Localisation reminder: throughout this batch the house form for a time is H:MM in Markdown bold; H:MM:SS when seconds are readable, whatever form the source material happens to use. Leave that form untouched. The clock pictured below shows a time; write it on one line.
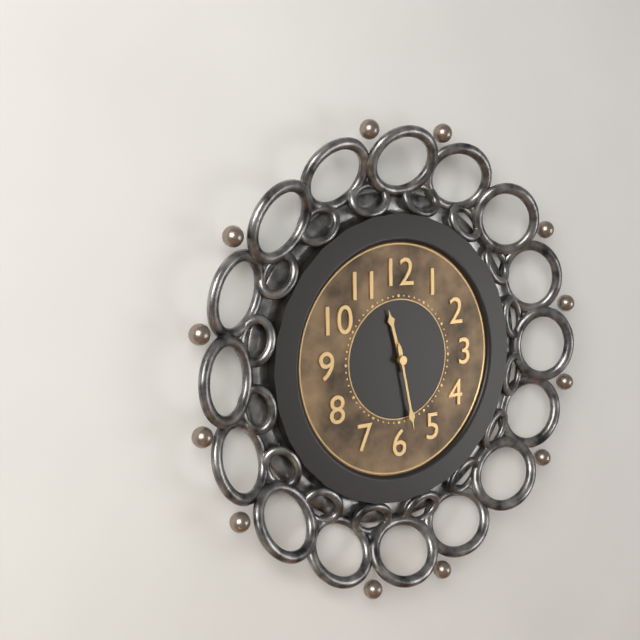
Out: **11:28**
